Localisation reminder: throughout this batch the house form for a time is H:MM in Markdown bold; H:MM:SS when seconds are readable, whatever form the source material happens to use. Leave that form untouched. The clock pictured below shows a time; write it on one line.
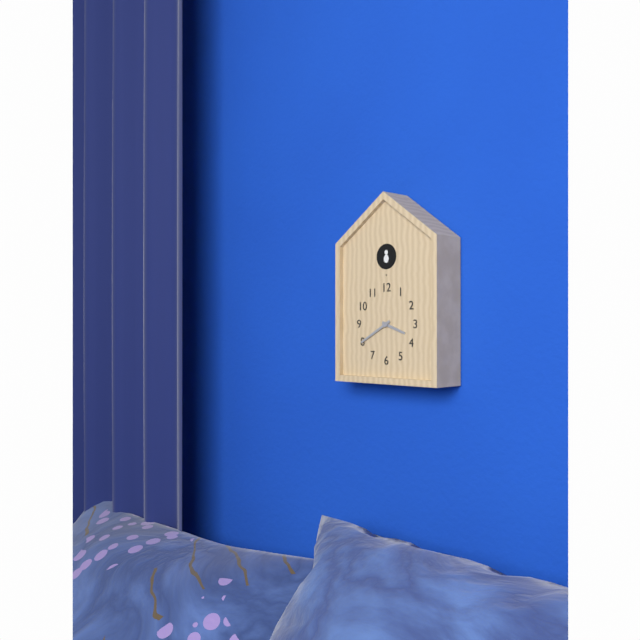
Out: **3:40**
